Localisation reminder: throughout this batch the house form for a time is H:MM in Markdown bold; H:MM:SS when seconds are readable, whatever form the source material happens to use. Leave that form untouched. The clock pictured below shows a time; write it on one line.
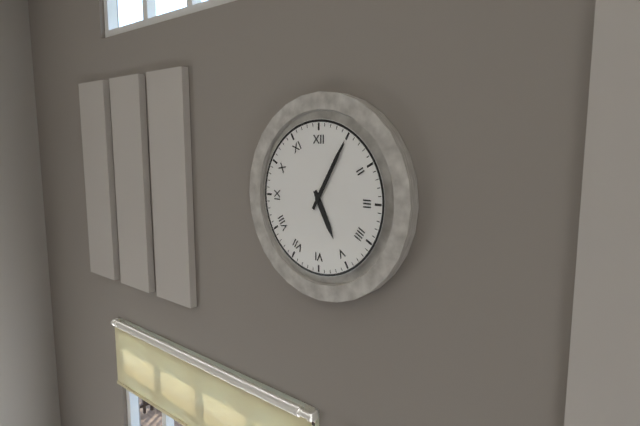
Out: **5:05**
